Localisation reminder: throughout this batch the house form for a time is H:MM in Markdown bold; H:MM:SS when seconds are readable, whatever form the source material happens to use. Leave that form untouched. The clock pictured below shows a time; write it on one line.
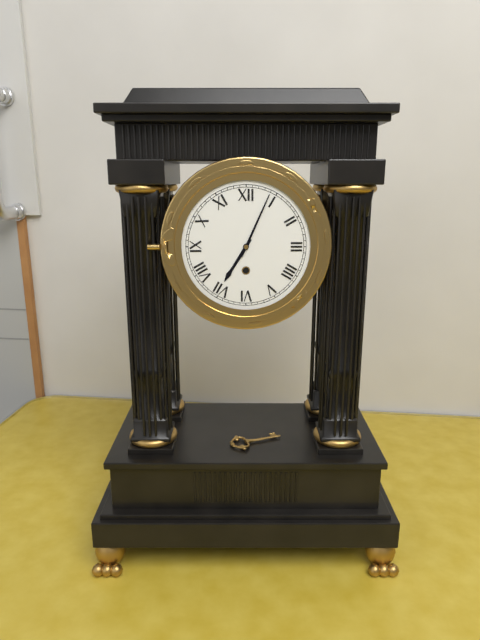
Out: **7:04**
